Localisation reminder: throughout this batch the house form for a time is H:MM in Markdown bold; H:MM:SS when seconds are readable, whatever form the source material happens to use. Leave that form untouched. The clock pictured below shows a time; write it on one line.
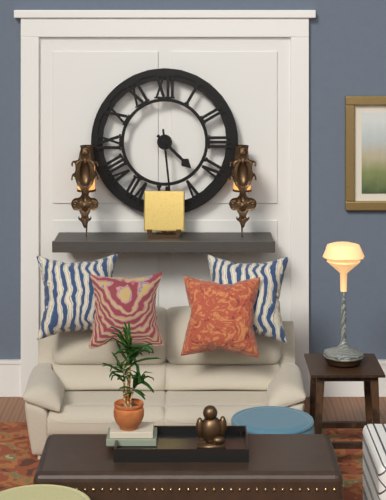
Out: **4:29**
